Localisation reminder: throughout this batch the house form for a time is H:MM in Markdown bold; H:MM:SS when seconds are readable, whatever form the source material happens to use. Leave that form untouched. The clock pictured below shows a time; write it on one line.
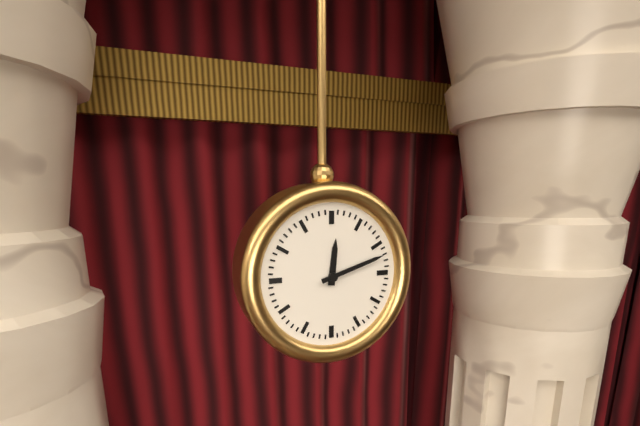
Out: **12:12**
